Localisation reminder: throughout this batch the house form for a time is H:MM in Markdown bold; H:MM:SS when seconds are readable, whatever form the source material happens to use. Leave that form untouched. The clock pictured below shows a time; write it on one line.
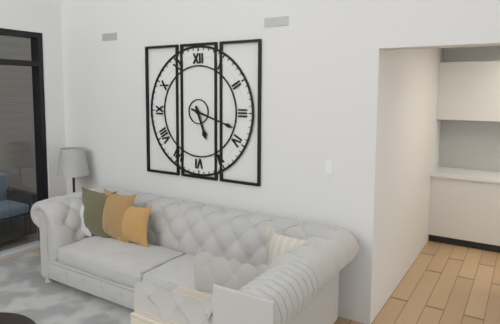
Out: **5:18**
